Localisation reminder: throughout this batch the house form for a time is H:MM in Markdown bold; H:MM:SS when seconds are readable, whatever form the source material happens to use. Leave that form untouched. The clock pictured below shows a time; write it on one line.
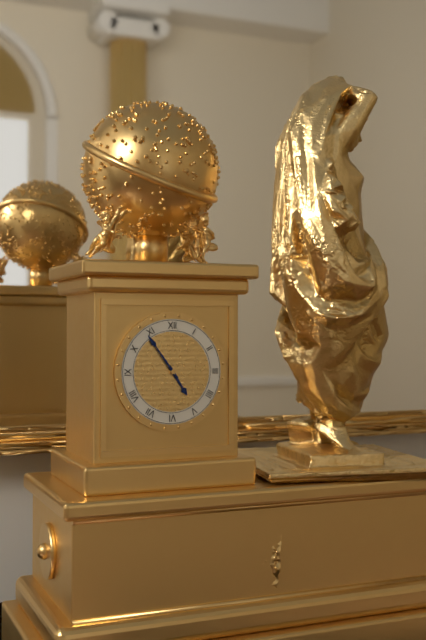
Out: **4:54**
